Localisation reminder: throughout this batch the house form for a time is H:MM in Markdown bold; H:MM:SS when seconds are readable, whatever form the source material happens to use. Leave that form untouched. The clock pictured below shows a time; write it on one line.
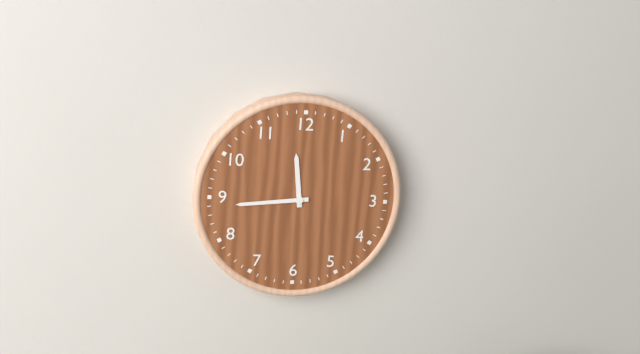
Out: **11:44**
